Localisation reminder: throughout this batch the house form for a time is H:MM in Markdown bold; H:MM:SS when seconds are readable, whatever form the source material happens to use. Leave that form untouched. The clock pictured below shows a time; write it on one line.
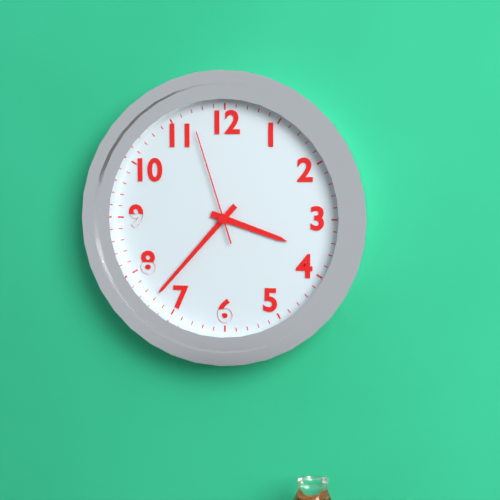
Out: **3:37:57**
